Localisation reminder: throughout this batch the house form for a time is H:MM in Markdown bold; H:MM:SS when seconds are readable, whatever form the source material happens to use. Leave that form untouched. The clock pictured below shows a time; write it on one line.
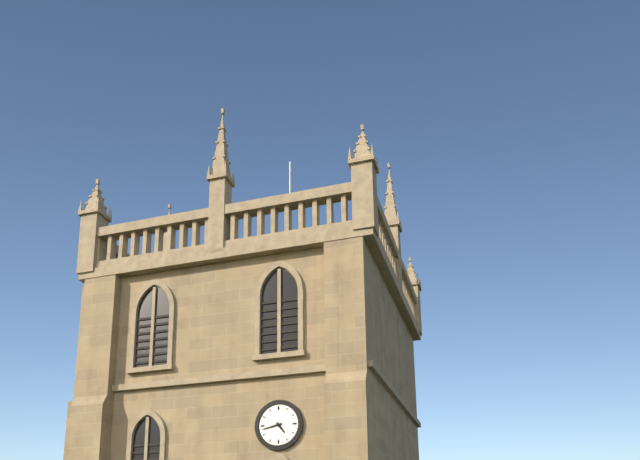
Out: **4:43**
